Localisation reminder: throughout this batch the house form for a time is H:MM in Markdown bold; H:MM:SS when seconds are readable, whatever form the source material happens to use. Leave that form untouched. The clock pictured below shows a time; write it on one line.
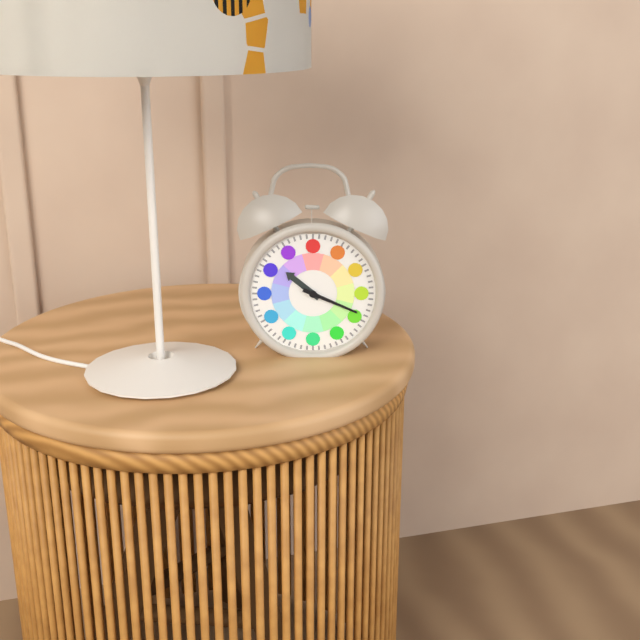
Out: **10:19**
